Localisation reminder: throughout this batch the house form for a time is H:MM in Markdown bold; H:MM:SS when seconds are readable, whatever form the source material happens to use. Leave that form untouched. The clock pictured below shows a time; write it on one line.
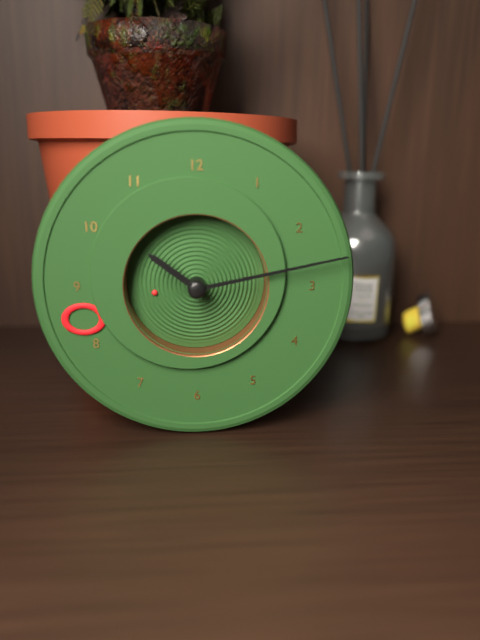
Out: **10:13:43**
